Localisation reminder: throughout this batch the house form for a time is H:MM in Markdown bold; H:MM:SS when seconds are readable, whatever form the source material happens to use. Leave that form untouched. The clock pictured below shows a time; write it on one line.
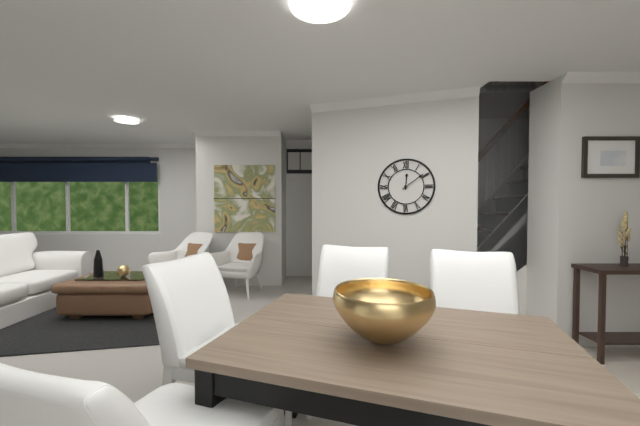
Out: **12:09**
